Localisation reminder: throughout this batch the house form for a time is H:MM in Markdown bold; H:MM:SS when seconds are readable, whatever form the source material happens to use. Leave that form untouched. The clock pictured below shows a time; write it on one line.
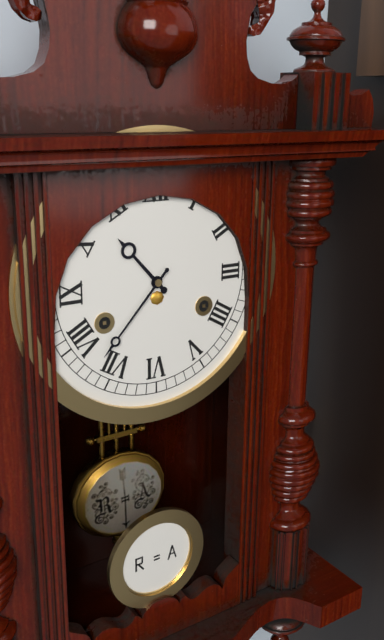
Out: **10:37**
